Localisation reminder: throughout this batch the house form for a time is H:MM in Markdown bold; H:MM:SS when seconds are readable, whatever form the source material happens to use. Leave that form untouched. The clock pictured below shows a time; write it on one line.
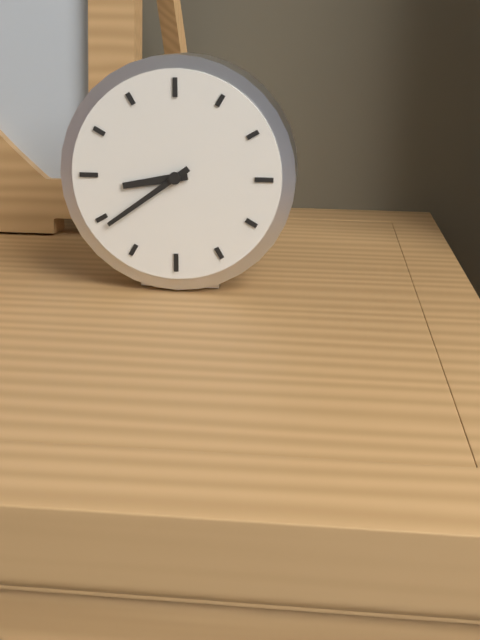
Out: **8:39**
